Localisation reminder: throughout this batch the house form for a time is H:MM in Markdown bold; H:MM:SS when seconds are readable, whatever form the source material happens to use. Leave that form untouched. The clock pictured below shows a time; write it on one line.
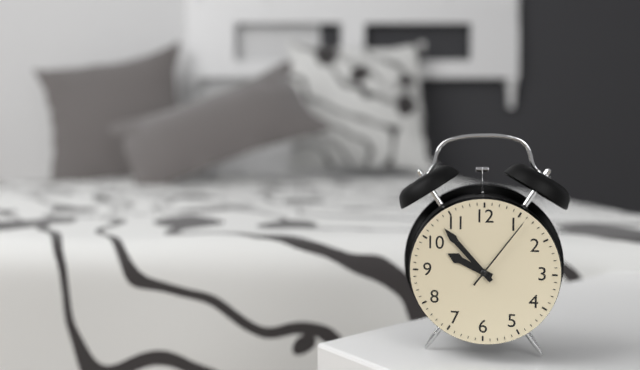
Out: **9:53:06**
